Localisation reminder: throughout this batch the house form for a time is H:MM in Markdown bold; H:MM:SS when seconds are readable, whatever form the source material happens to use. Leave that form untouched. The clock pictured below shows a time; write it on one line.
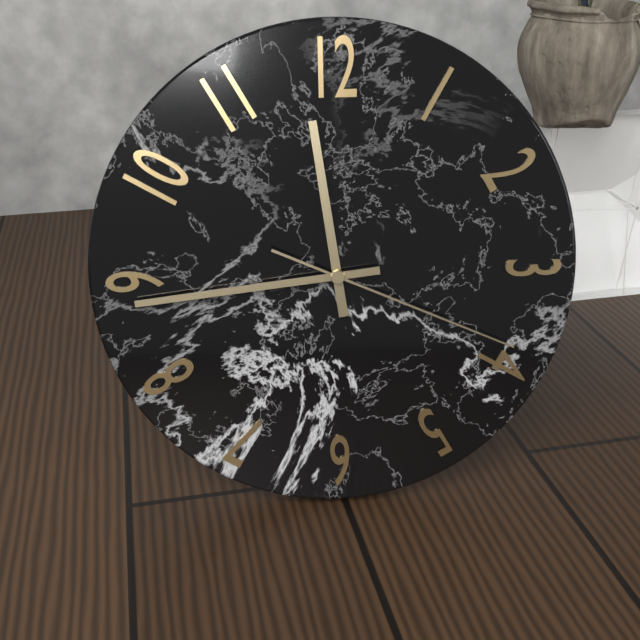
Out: **11:44:19**
